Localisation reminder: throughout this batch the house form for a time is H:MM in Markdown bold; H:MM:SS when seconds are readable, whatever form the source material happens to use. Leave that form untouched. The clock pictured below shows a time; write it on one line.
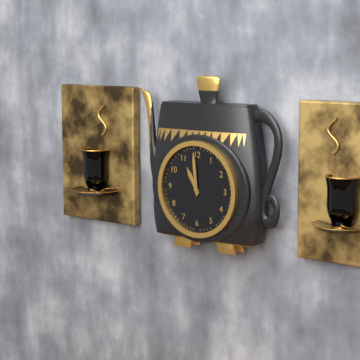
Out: **10:59**
